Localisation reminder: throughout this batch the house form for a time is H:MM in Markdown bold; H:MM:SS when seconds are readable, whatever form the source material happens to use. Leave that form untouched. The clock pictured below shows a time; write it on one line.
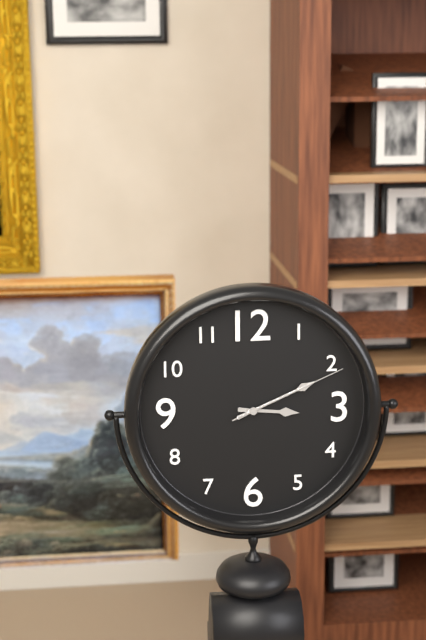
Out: **3:11:11**
